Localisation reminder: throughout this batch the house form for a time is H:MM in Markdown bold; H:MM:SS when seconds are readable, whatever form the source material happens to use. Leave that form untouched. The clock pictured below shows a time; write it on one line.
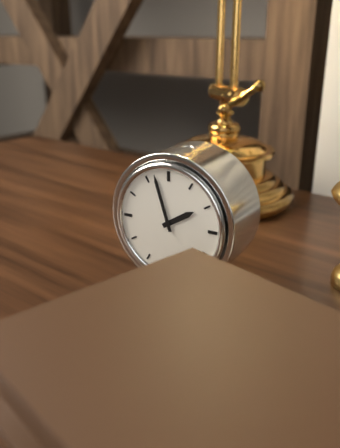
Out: **1:57**
